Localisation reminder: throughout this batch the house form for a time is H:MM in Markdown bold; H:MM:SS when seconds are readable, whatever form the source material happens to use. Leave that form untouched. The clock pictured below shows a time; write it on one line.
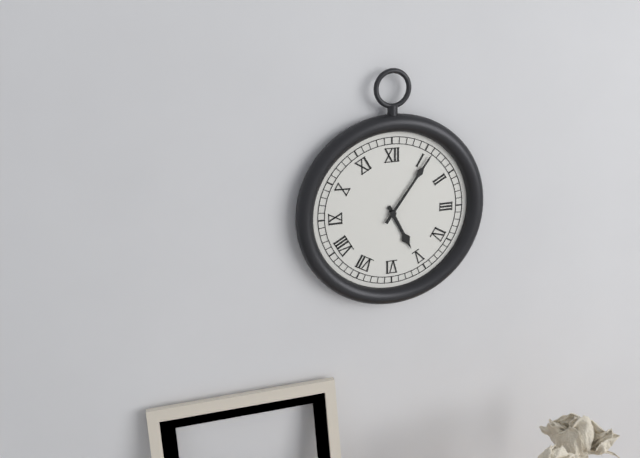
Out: **5:06**
